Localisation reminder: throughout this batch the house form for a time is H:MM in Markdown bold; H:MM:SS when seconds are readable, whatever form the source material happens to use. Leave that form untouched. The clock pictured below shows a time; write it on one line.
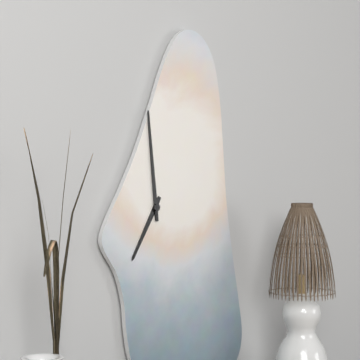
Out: **6:59**
